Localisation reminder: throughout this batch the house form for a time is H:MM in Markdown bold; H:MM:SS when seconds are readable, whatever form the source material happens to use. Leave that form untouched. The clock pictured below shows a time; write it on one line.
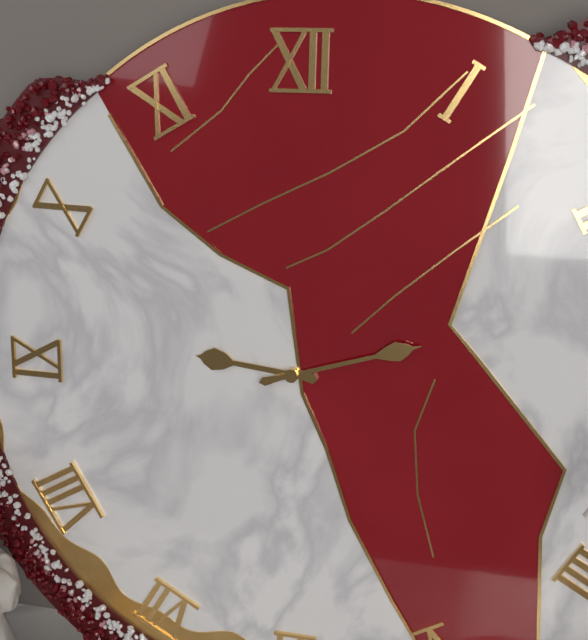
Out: **9:12**
